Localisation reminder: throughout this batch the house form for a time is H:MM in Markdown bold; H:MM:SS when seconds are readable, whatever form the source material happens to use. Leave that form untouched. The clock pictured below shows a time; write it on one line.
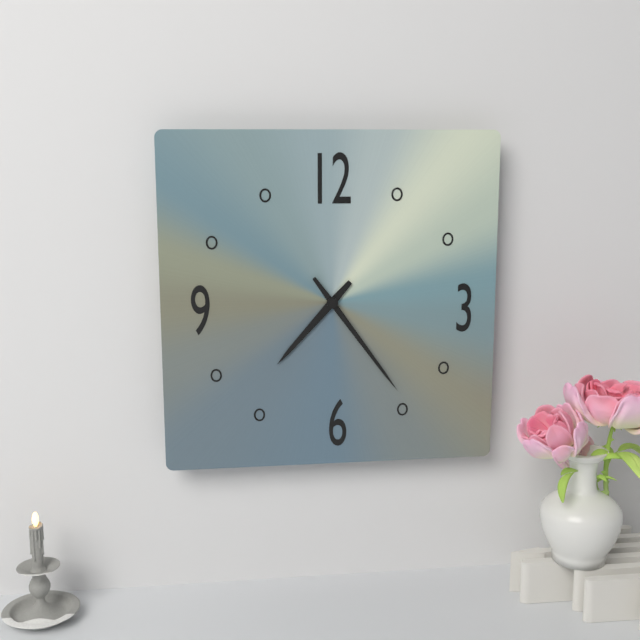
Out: **7:24**
